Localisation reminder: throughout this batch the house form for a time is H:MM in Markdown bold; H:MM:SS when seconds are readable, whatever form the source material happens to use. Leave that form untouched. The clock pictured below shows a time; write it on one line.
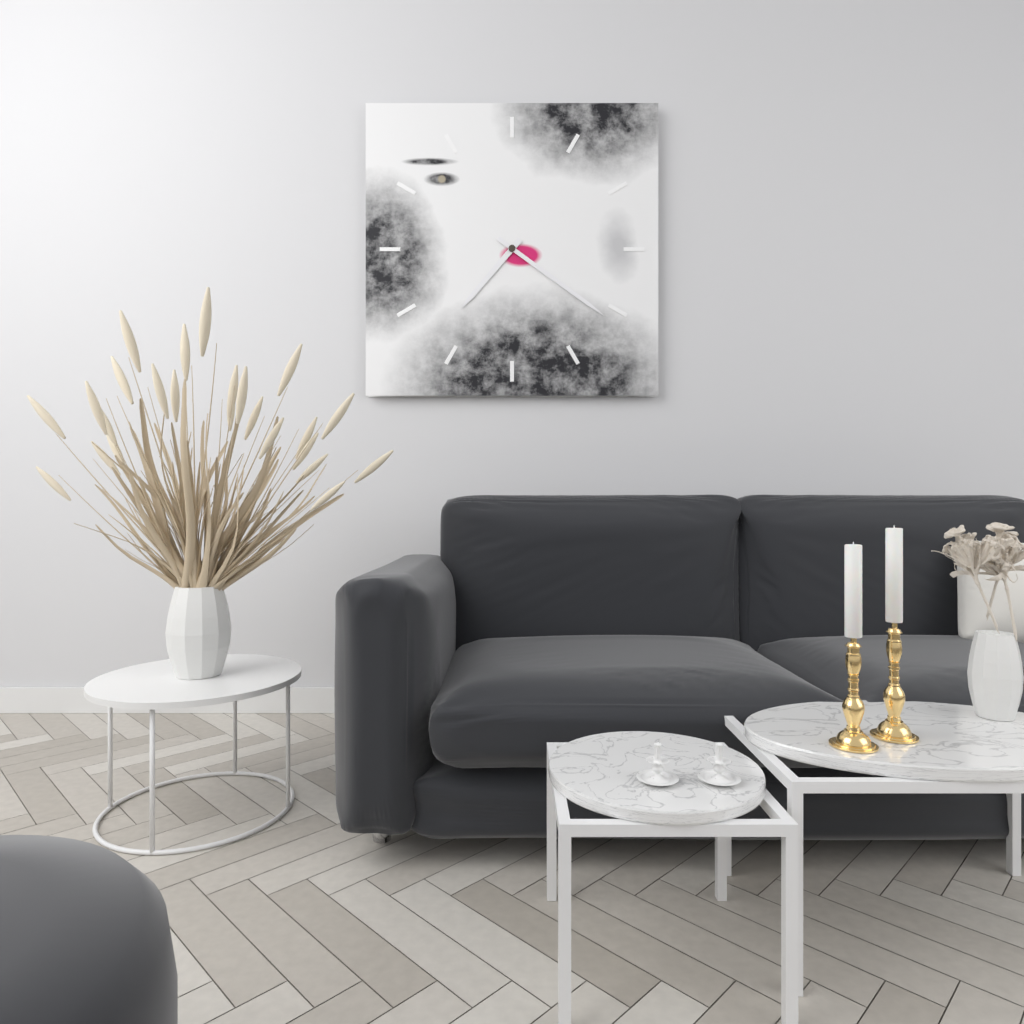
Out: **7:21**
